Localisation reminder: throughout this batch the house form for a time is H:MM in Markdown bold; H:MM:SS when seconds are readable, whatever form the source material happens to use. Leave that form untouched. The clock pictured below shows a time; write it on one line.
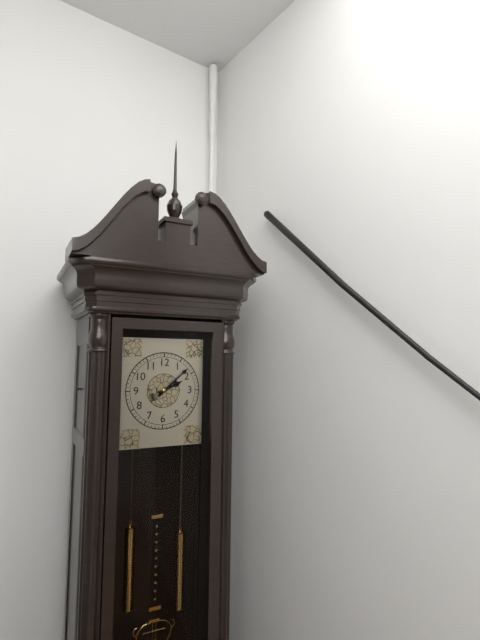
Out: **2:08**
